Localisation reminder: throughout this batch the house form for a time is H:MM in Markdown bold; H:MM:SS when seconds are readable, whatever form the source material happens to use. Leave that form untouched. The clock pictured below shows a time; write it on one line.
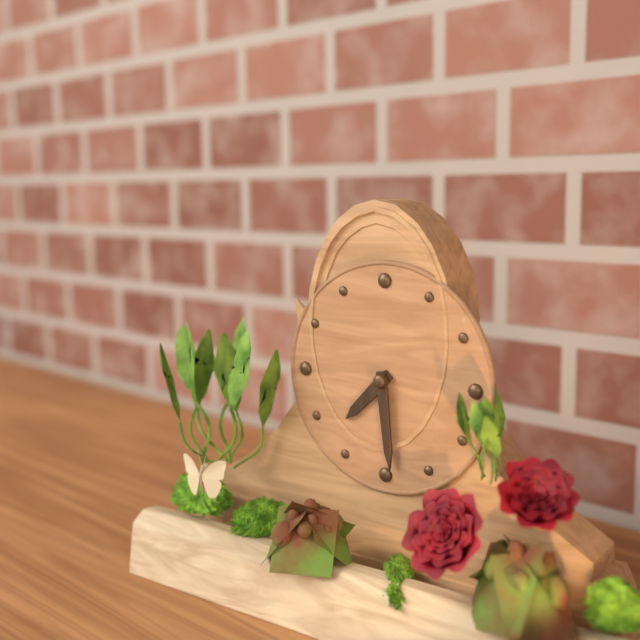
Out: **7:29**
